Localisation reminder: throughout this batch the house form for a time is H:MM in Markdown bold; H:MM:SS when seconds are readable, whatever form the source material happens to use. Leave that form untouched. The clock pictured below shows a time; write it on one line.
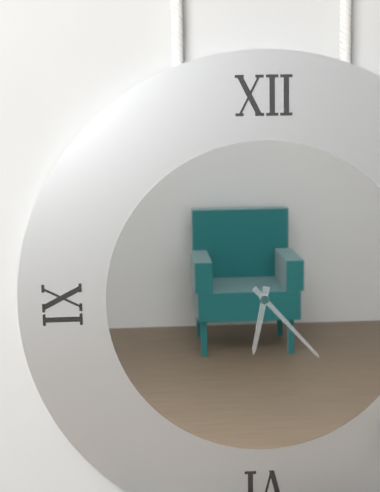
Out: **6:23**
